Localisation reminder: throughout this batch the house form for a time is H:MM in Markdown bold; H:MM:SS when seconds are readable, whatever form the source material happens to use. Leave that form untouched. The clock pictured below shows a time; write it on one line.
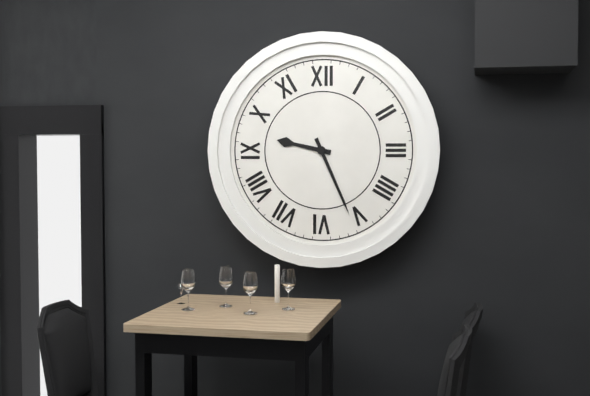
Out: **9:26**
